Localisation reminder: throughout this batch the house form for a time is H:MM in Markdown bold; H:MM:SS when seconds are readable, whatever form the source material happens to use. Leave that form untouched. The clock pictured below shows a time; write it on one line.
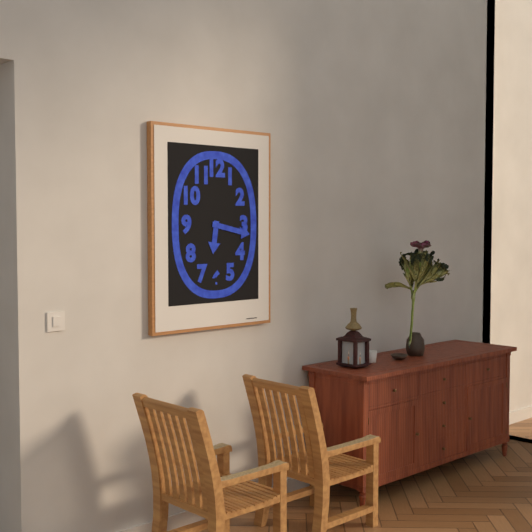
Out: **6:17**
